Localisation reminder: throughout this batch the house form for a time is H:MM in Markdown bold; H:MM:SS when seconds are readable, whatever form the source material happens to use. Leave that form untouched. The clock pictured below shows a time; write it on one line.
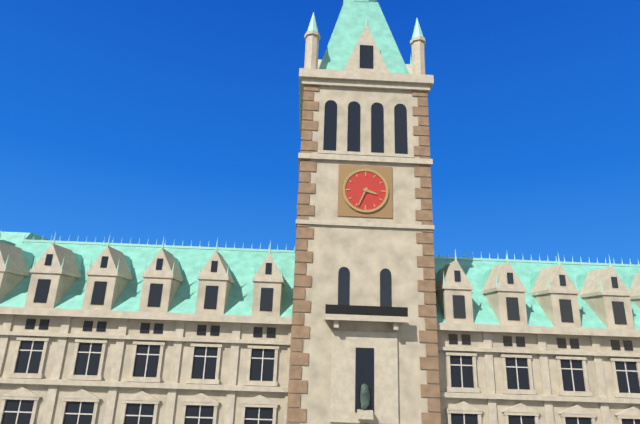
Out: **3:34**
